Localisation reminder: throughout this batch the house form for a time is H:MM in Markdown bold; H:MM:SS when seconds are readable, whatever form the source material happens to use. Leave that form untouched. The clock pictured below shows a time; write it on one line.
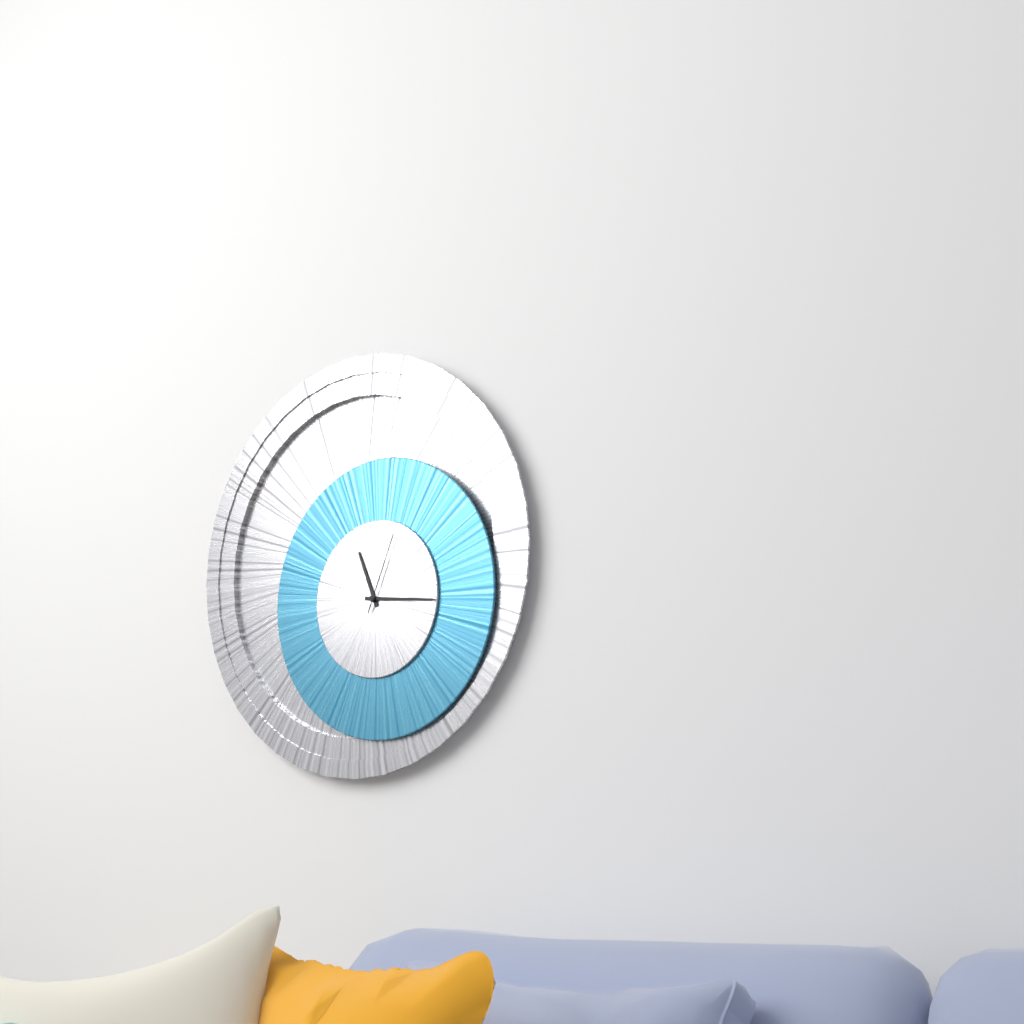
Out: **11:16:04**
